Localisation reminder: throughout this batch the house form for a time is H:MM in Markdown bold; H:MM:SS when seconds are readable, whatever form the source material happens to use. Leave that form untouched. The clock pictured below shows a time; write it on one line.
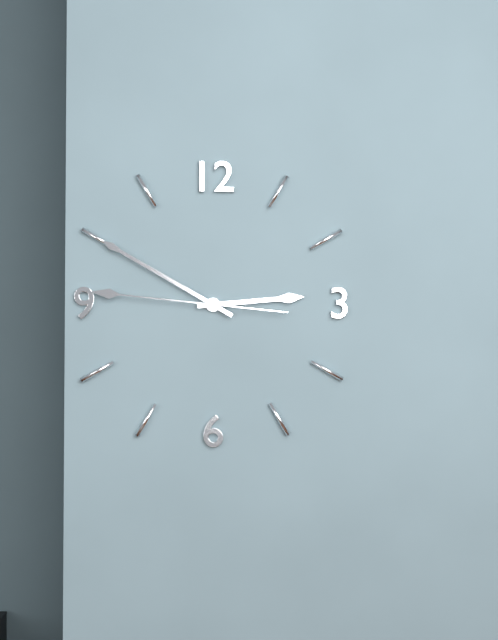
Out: **2:50:46**
